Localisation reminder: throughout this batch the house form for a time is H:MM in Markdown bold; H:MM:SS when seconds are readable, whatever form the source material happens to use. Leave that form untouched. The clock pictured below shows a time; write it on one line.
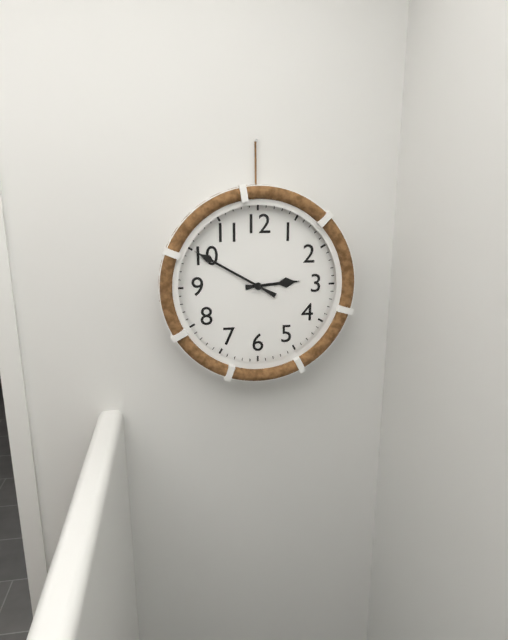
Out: **2:50**
